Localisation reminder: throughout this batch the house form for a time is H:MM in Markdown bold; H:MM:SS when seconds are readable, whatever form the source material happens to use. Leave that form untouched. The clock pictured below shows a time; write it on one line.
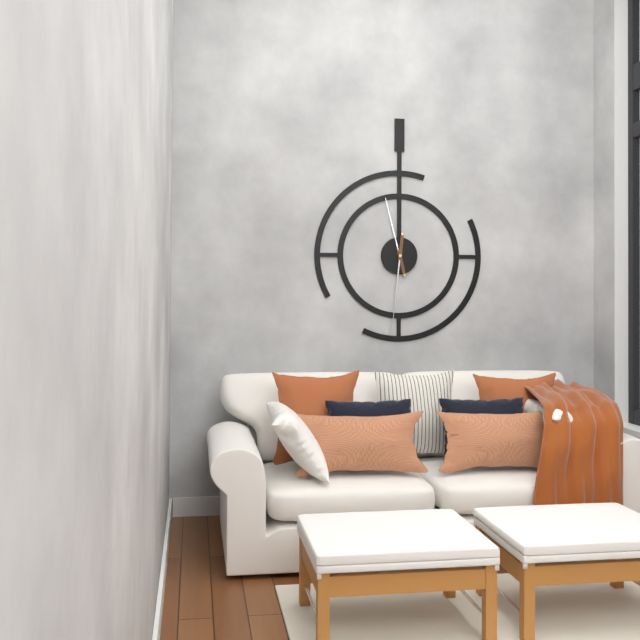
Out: **11:31**
